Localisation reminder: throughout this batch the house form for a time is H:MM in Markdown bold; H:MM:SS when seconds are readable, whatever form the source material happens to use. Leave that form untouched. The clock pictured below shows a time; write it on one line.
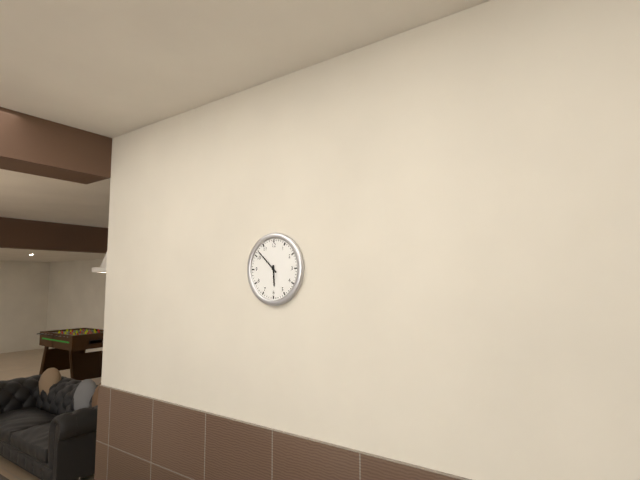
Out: **5:52**
